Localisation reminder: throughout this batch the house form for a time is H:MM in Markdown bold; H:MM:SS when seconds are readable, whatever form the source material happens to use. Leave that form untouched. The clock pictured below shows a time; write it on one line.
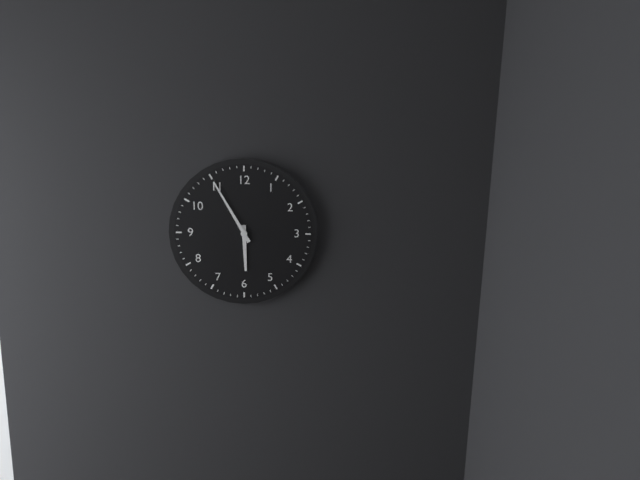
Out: **5:55**
